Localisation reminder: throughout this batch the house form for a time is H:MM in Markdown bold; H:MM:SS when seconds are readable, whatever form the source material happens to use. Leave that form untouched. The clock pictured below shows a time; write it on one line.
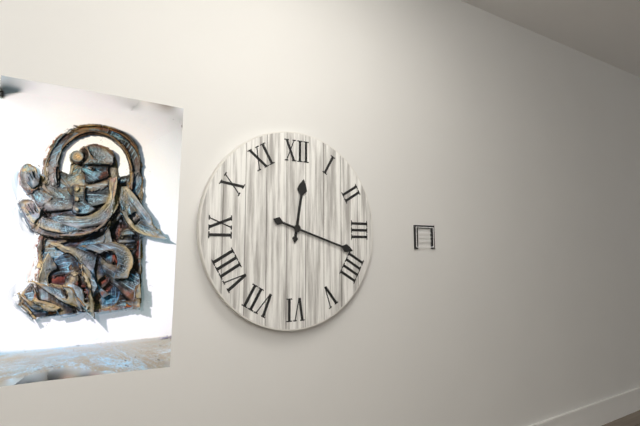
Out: **12:18**
